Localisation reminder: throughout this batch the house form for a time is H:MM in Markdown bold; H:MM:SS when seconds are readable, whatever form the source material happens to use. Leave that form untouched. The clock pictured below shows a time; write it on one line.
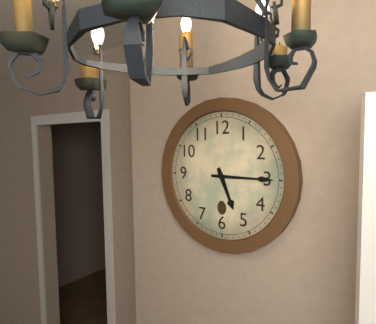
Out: **5:15**
